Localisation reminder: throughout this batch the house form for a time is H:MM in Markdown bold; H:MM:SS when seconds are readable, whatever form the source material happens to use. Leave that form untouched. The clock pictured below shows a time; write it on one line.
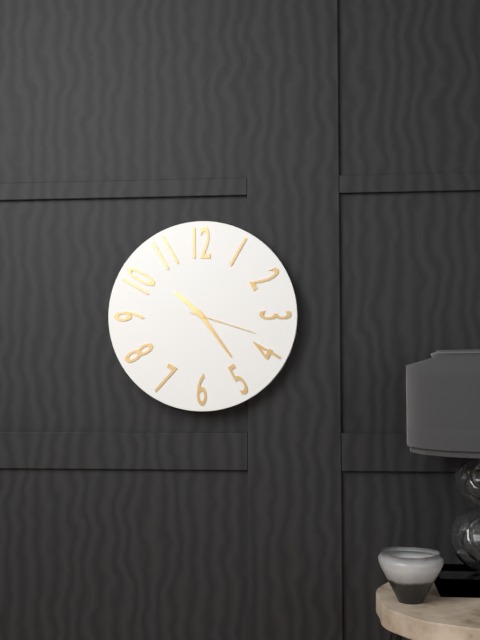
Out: **10:24:18**
